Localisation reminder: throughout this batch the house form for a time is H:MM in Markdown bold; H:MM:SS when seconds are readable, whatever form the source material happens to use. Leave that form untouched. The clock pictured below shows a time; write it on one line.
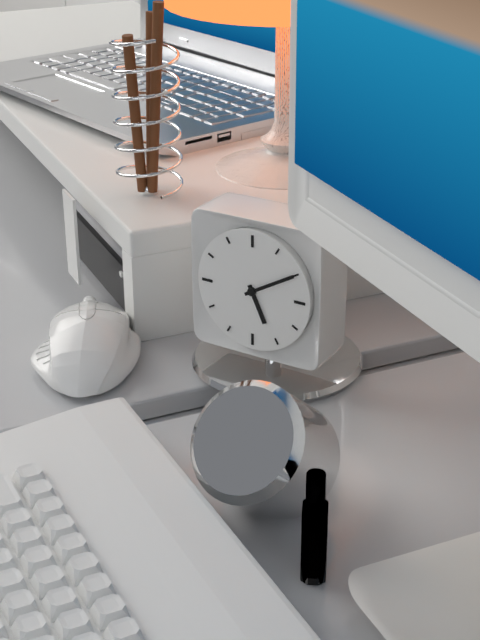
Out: **5:10**
